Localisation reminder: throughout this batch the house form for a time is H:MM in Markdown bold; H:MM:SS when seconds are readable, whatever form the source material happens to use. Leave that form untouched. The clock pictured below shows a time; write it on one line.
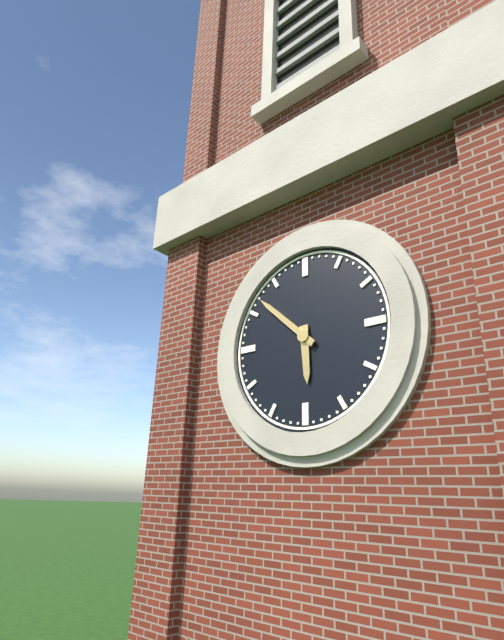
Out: **5:52**
